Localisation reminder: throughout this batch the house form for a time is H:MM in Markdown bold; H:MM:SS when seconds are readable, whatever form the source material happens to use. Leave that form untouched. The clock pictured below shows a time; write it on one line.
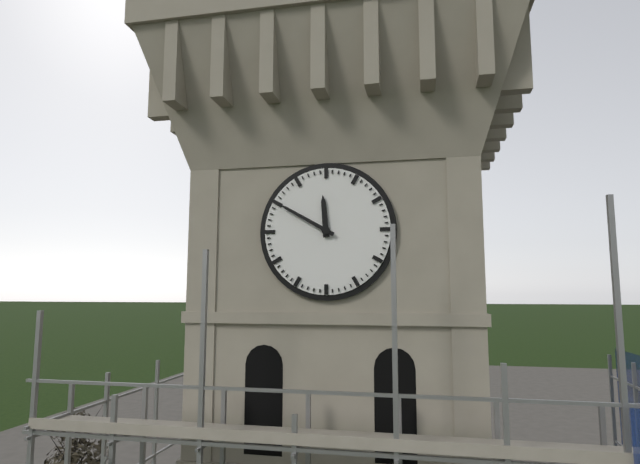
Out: **11:50**
